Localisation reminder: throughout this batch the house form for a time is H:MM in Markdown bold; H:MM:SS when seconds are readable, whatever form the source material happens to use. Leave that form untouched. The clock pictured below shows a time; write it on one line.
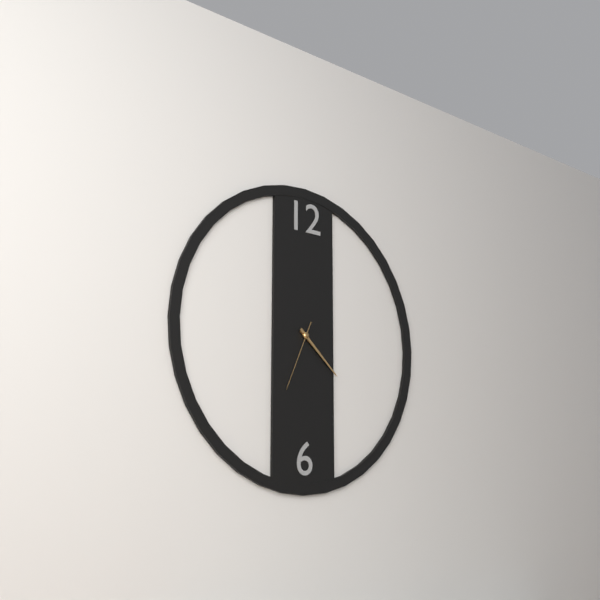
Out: **4:22:34**
